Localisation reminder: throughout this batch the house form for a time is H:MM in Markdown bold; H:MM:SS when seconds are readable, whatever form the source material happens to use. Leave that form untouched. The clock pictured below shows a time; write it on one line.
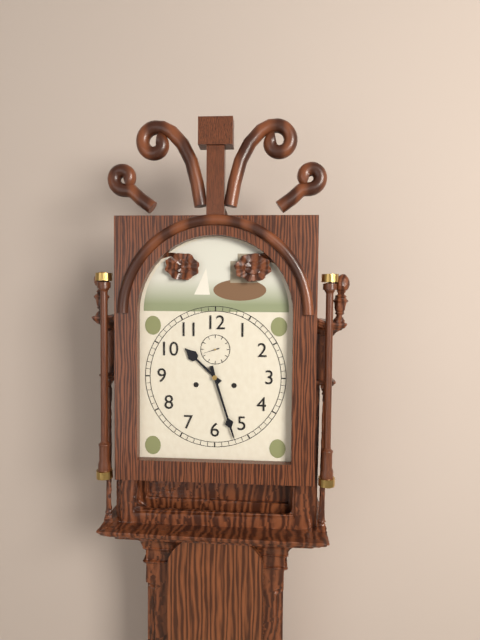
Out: **10:27**
